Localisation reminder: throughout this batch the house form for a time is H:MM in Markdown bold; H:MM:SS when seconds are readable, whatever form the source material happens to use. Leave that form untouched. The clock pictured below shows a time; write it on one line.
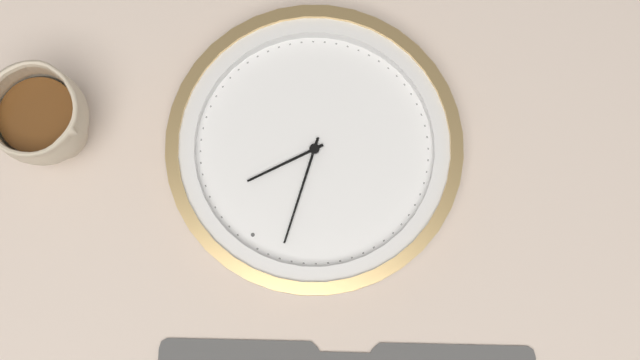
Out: **12:57**
